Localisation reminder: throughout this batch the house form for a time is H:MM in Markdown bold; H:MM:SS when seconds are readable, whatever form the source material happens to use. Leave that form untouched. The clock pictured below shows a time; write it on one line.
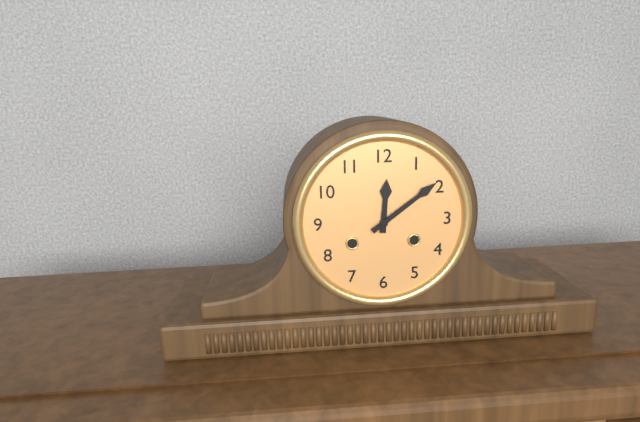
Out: **12:09**
